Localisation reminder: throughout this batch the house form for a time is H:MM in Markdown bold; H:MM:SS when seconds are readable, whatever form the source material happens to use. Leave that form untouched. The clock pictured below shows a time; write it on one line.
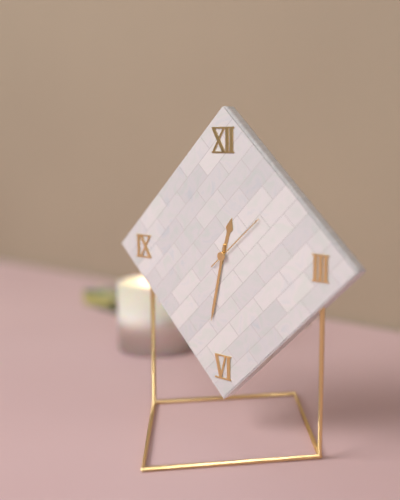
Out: **12:32:08**
